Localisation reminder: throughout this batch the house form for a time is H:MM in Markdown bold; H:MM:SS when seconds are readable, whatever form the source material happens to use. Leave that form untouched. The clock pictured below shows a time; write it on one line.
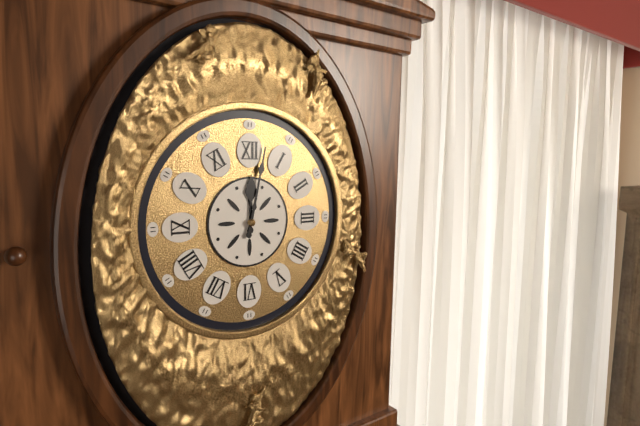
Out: **12:02**
